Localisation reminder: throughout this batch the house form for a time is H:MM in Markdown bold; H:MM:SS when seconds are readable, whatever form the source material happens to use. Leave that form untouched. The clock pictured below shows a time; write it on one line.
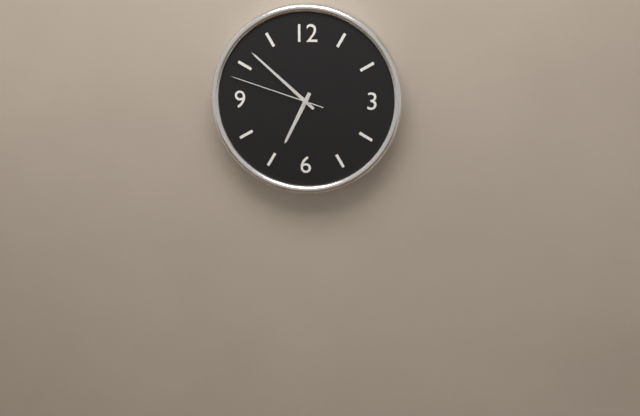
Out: **6:52:48**
